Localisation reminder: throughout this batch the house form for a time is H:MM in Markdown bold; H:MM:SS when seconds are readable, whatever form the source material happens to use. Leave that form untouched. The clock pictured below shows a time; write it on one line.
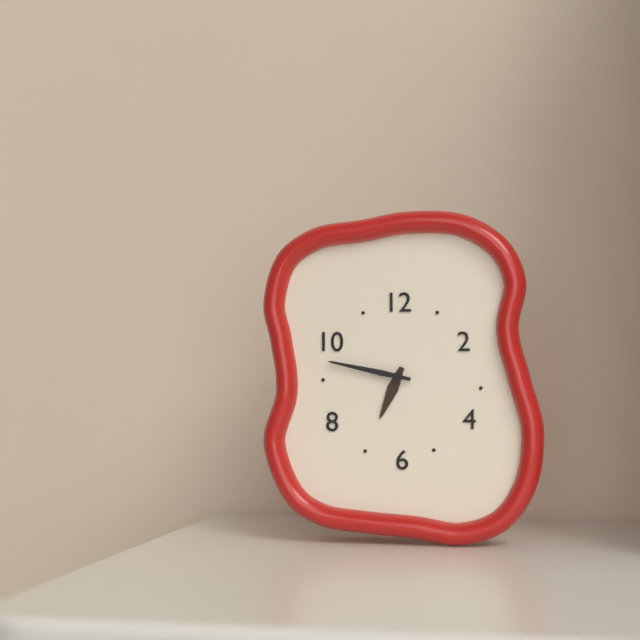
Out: **6:47**
